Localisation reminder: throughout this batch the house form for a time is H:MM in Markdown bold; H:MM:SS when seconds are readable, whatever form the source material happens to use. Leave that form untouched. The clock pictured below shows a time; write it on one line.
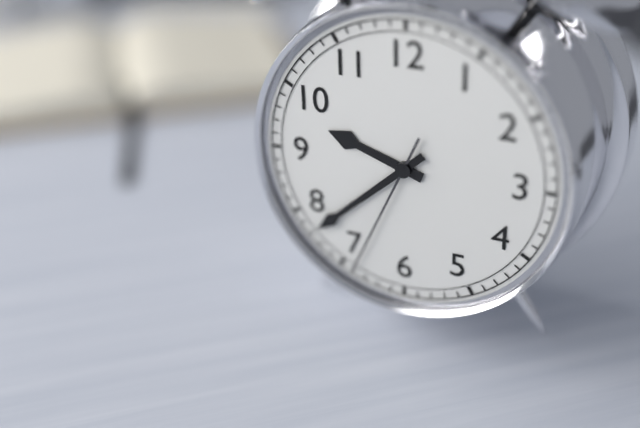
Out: **9:38:34**
